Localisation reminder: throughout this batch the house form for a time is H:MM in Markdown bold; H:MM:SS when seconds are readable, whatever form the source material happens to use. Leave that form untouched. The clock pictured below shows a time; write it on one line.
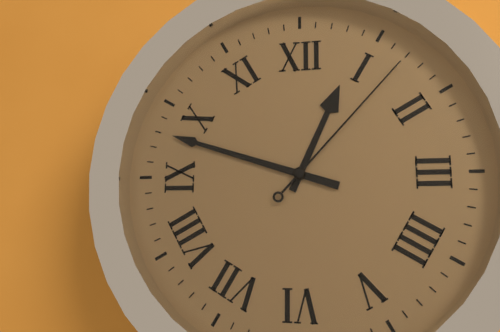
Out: **12:48:07**
